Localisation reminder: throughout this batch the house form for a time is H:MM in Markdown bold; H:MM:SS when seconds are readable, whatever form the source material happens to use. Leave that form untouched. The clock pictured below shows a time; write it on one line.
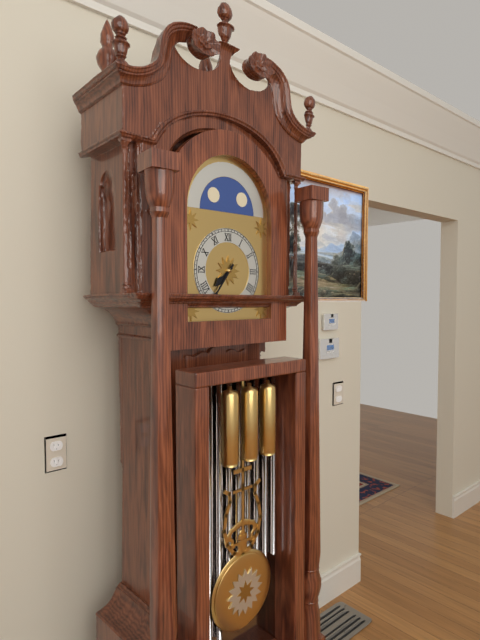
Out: **7:36**
